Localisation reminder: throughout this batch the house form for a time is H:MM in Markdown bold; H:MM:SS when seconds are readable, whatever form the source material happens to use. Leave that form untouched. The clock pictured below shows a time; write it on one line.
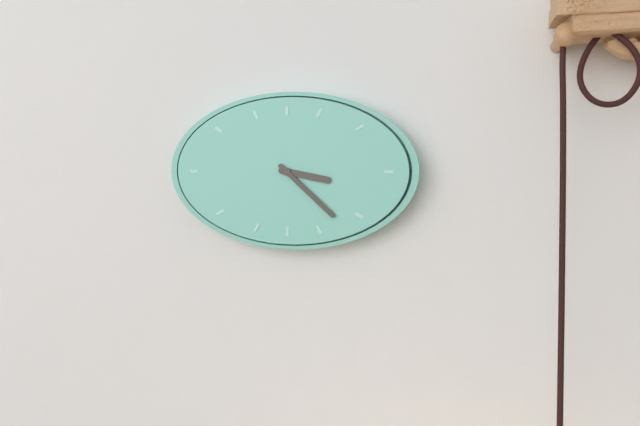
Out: **3:22**
